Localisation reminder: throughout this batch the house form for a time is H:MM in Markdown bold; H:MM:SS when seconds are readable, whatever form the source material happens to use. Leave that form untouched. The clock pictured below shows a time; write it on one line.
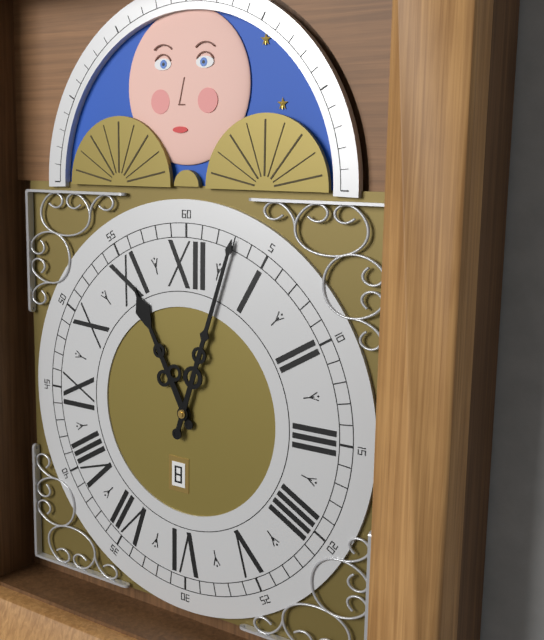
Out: **11:03**
